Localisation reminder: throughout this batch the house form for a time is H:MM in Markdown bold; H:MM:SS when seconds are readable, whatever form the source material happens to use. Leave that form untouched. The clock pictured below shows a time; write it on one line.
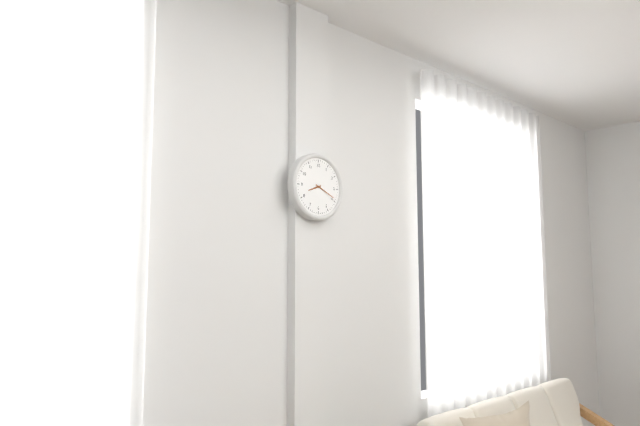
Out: **8:19**
